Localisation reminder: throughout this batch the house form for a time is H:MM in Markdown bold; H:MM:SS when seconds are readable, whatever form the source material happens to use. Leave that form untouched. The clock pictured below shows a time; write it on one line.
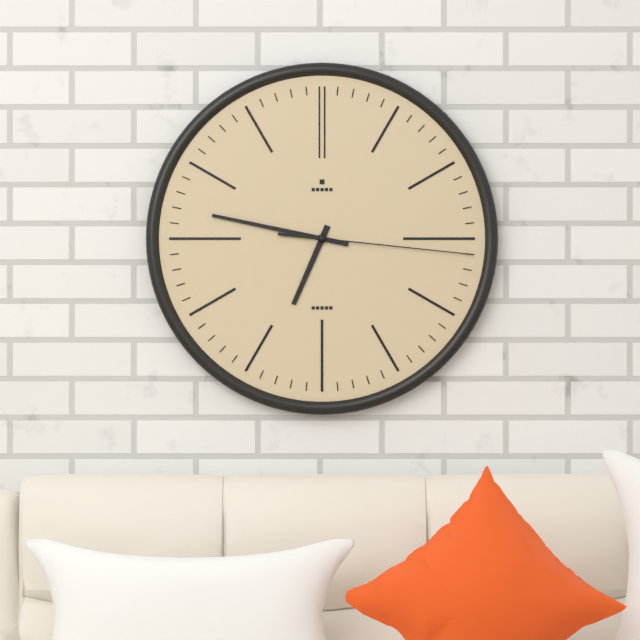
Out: **6:47:16**
